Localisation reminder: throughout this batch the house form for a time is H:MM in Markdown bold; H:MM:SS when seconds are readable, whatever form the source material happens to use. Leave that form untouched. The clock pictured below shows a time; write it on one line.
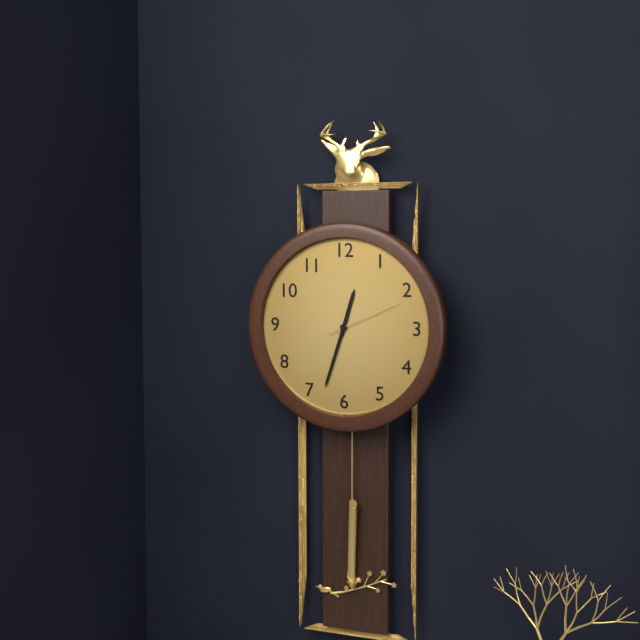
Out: **12:33:11**
